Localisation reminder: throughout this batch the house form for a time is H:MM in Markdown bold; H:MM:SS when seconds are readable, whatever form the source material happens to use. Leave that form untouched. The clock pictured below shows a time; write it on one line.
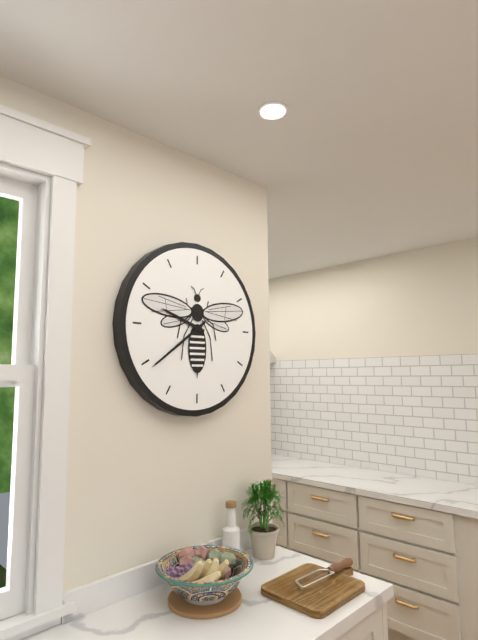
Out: **9:39**
